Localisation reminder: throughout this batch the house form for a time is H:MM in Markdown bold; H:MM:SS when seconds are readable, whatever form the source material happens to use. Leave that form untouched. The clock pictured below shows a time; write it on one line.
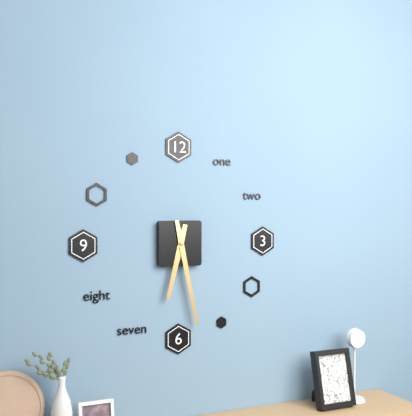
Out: **6:28**
